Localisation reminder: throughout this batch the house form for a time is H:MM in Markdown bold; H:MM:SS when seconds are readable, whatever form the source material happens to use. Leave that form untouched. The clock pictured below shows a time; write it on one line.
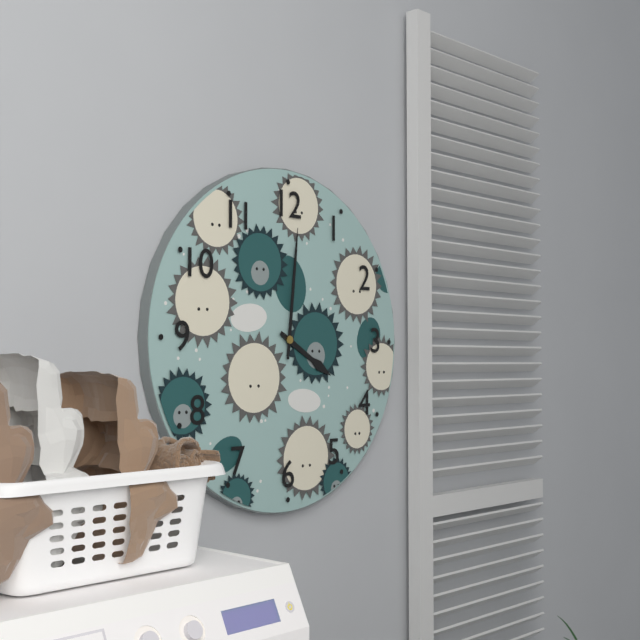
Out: **4:01**
